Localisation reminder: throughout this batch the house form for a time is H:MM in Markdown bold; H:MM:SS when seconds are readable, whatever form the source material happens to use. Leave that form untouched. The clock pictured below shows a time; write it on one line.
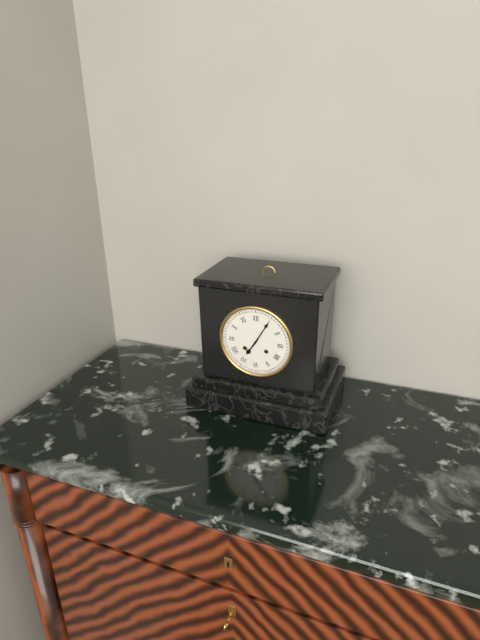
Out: **7:05**
